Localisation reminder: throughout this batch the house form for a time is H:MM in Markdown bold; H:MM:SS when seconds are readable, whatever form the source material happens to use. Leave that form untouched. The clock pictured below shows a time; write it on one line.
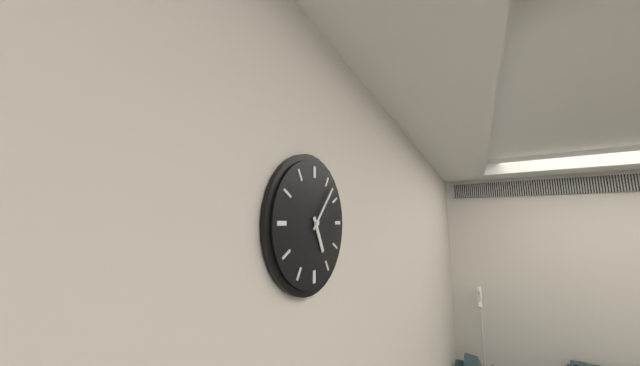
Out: **5:07**
